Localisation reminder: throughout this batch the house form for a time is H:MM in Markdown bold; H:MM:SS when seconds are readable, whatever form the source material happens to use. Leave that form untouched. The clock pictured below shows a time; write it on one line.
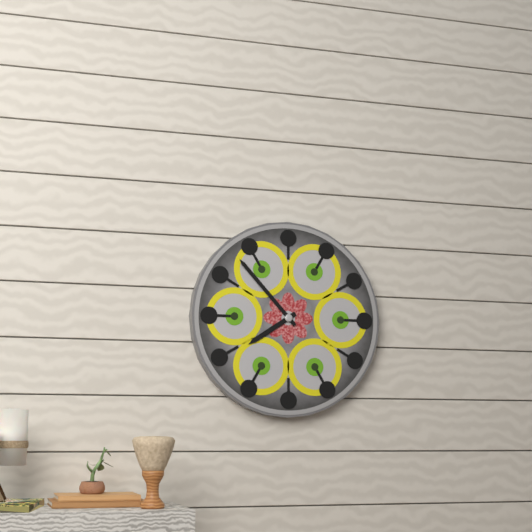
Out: **7:53**
